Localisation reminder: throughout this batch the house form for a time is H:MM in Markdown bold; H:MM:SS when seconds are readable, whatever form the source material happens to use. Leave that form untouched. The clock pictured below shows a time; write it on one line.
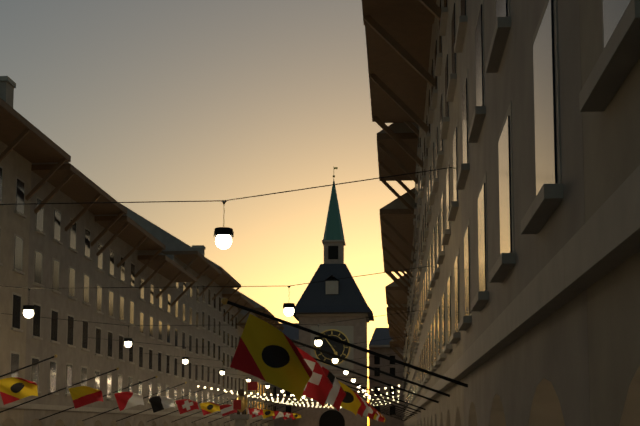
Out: **4:54**
